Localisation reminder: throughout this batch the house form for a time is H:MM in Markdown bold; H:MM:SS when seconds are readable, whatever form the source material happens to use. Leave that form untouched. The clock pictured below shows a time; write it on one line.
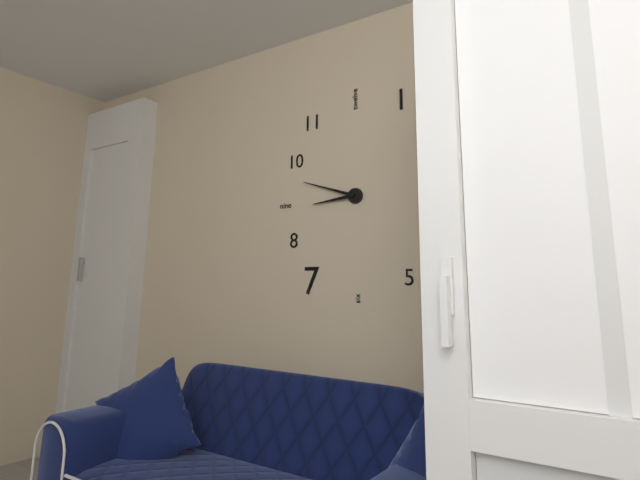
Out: **8:48**
